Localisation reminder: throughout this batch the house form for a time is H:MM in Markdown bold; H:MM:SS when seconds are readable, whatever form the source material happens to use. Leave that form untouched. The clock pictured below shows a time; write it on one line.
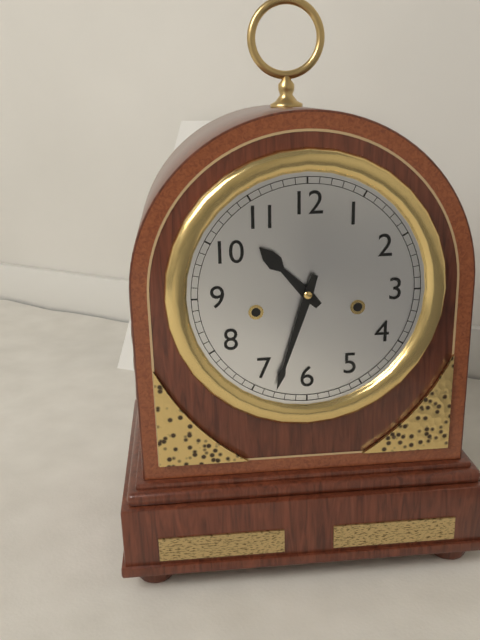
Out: **10:33**
